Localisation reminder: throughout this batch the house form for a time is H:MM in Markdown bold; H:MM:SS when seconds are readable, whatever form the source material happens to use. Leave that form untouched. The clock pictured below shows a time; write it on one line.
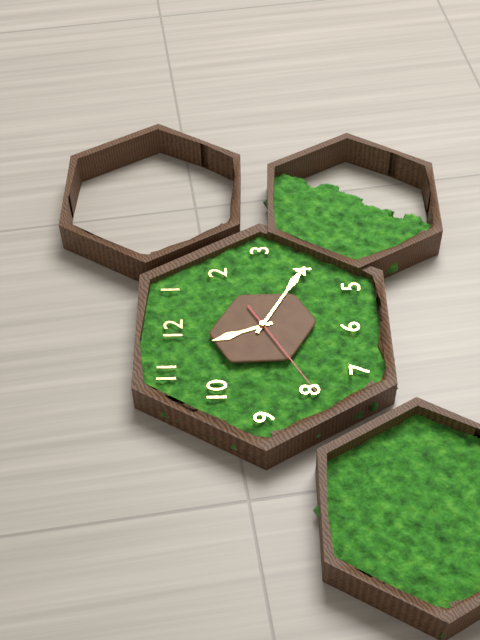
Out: **11:20:40**
